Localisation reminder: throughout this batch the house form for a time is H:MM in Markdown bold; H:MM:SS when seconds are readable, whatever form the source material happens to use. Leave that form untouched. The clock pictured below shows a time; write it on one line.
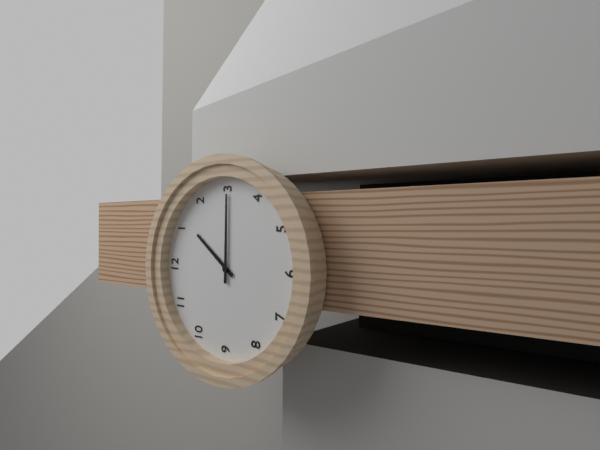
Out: **1:15**
